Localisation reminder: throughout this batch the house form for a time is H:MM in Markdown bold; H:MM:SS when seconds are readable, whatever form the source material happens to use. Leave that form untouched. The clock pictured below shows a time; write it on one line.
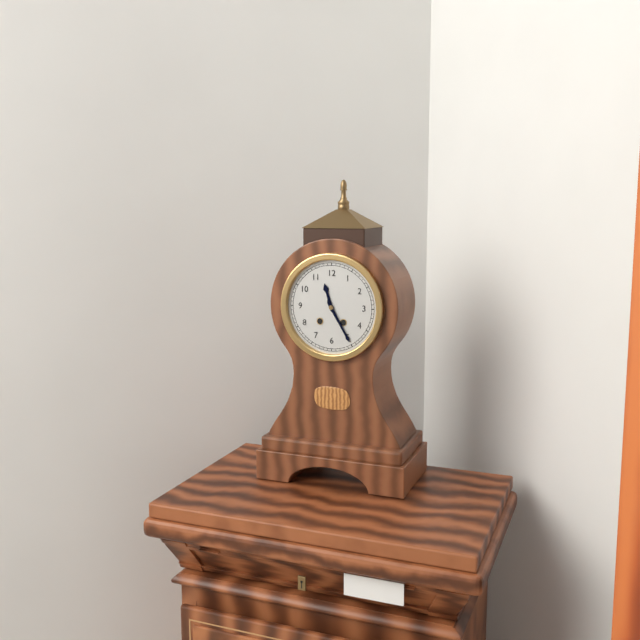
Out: **11:25**
